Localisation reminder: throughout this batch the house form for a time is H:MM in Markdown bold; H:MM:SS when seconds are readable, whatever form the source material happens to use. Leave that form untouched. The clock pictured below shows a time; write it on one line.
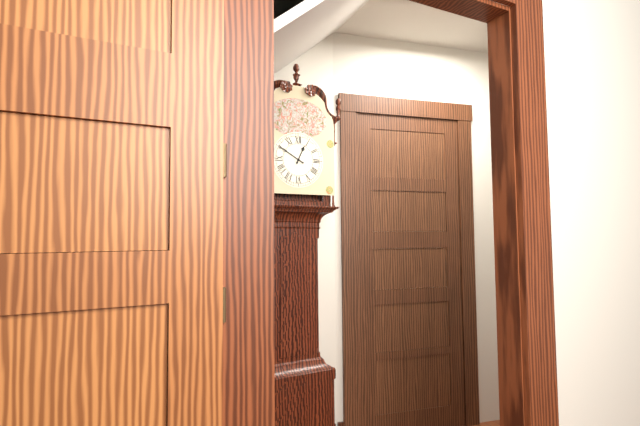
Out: **12:50**
